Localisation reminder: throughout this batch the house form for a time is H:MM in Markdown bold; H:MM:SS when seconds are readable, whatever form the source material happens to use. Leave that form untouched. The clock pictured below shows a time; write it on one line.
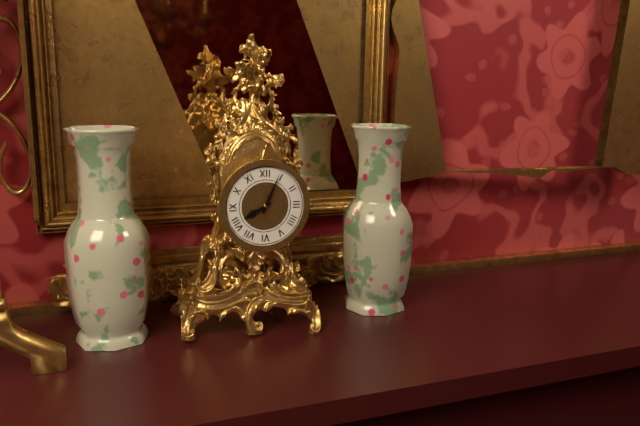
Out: **8:04**
